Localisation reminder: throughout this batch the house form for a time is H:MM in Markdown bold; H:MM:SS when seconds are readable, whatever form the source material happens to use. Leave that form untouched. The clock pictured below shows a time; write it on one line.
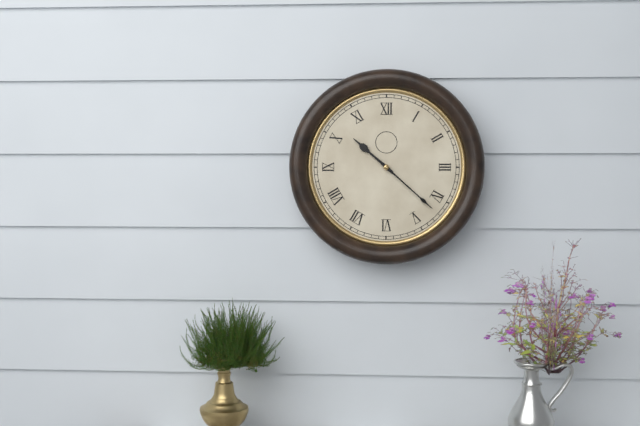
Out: **10:22**
